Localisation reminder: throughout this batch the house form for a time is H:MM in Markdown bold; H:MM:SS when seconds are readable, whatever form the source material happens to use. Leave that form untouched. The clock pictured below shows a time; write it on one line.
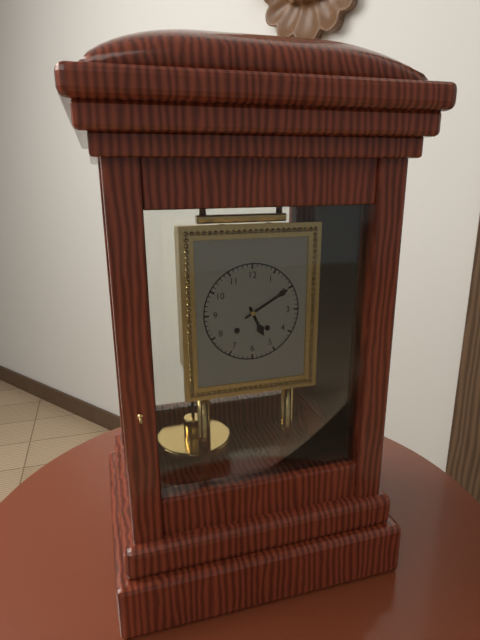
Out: **5:10**
